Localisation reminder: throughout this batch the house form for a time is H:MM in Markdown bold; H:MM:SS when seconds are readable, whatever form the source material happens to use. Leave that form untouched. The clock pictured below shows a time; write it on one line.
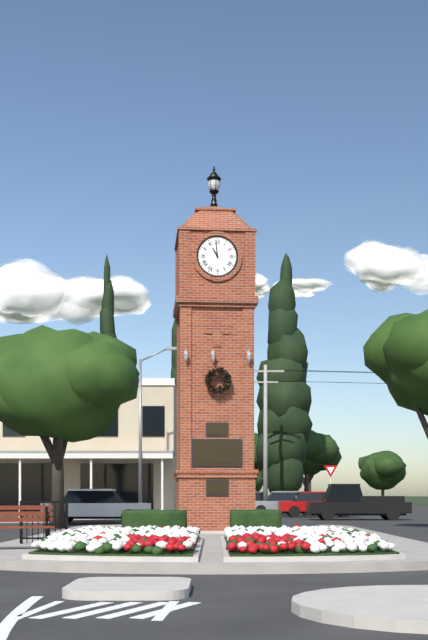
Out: **10:59**
